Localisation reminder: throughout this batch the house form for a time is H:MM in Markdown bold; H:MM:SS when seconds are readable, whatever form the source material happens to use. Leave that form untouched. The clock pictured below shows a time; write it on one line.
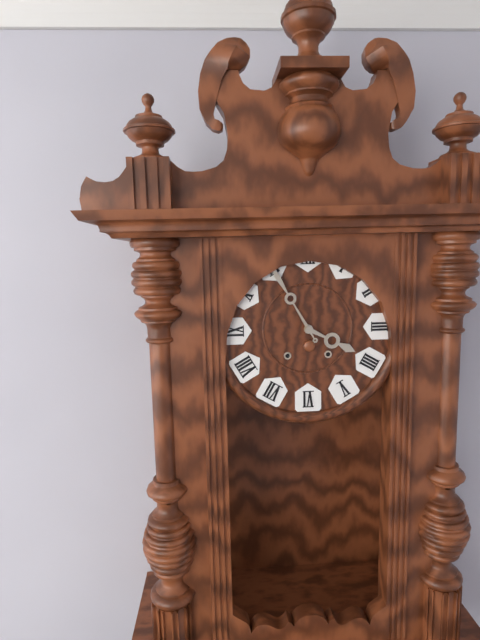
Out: **3:55**
